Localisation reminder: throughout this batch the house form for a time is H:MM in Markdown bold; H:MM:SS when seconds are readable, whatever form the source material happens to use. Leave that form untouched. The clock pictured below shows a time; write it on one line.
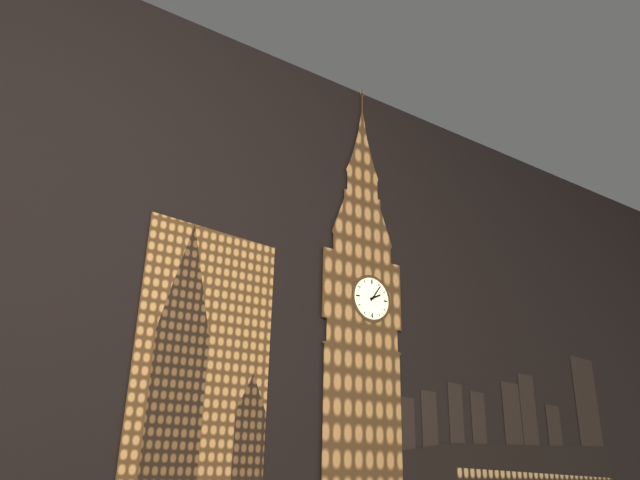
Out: **2:06**
